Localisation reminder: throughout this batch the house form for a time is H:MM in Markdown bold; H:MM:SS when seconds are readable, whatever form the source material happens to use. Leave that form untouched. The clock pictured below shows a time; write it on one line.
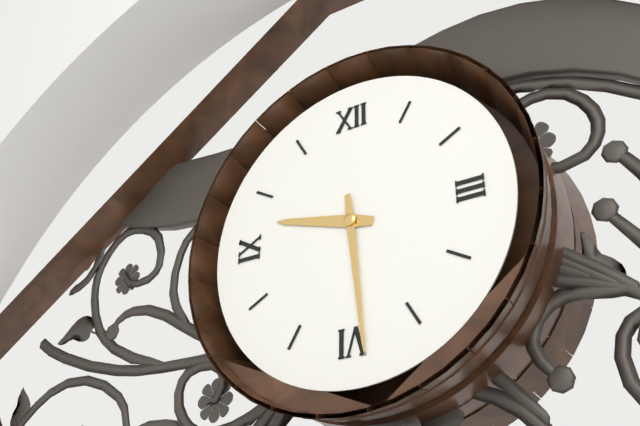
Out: **9:29**
